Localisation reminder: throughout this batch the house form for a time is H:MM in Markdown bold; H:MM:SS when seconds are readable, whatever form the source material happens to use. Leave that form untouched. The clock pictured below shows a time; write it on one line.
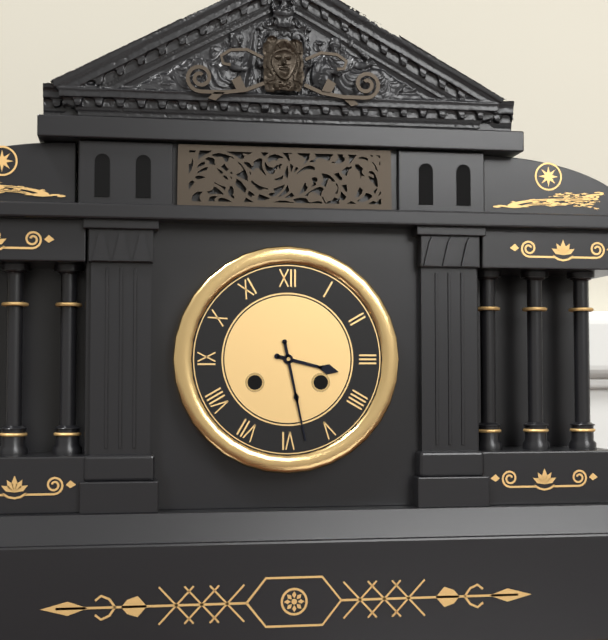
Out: **3:28**
